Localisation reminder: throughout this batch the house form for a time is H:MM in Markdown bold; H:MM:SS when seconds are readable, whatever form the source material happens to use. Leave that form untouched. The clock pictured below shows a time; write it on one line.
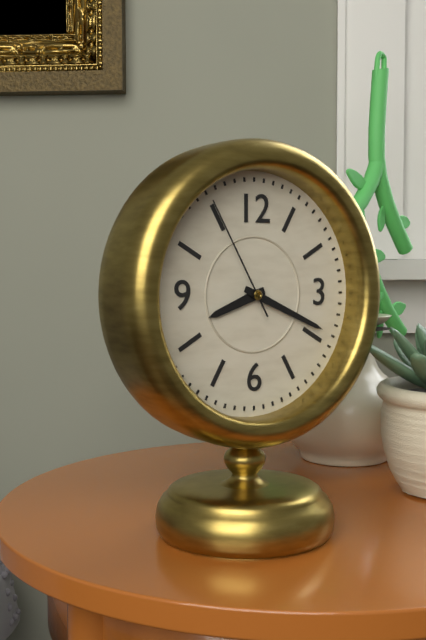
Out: **8:19:55**
